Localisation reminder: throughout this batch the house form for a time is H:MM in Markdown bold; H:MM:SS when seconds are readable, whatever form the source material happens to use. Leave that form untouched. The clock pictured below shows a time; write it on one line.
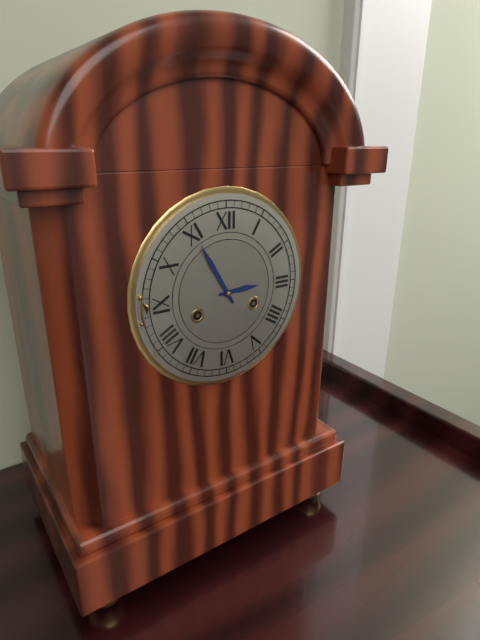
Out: **2:55**
